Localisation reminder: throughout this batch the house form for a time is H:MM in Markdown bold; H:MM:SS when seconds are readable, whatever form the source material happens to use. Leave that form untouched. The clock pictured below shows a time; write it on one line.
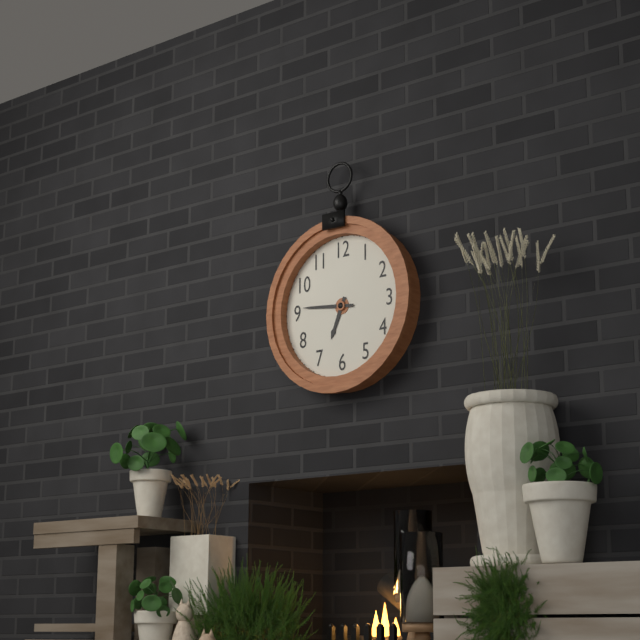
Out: **6:46**
